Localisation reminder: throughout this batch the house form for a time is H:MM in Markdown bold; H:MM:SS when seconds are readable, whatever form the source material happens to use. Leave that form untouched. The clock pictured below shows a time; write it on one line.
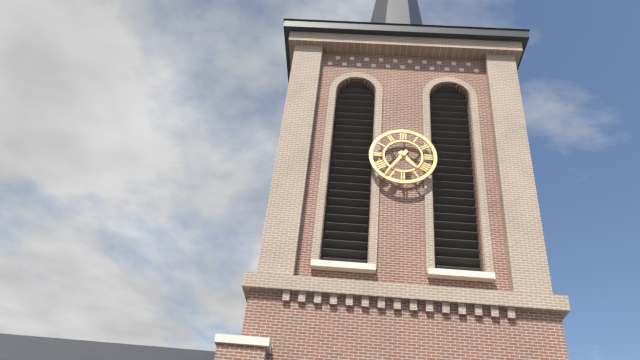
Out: **4:36**
